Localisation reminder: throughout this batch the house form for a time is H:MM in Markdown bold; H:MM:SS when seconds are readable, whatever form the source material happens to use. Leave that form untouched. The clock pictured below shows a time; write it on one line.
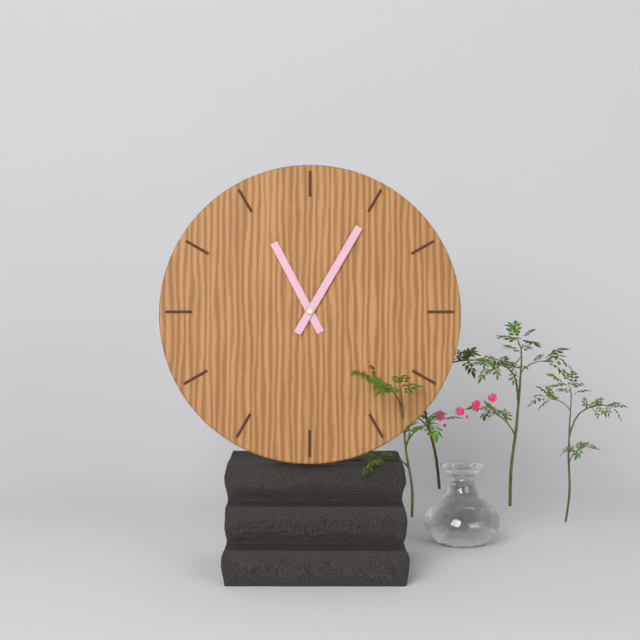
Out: **11:05**
